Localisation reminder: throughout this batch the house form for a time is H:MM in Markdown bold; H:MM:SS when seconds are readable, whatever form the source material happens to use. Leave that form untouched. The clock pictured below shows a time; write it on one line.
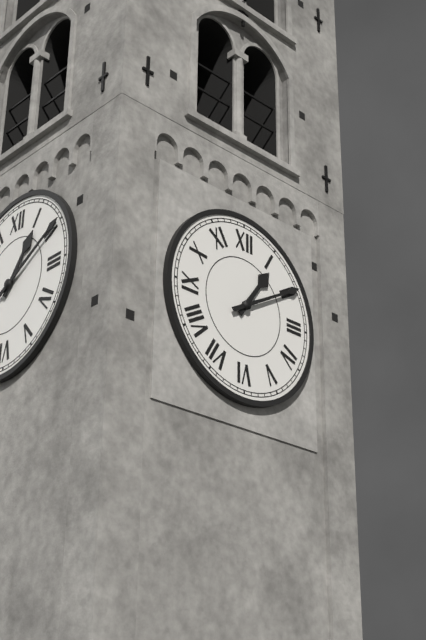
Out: **1:10**
